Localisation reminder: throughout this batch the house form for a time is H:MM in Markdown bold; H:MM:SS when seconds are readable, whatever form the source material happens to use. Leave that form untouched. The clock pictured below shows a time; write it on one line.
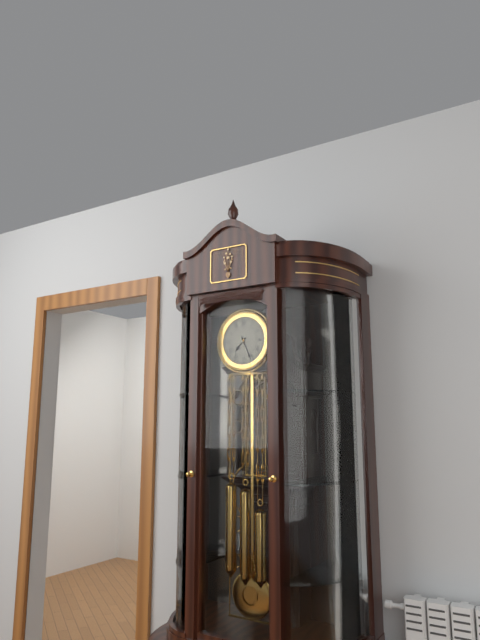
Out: **7:26**
